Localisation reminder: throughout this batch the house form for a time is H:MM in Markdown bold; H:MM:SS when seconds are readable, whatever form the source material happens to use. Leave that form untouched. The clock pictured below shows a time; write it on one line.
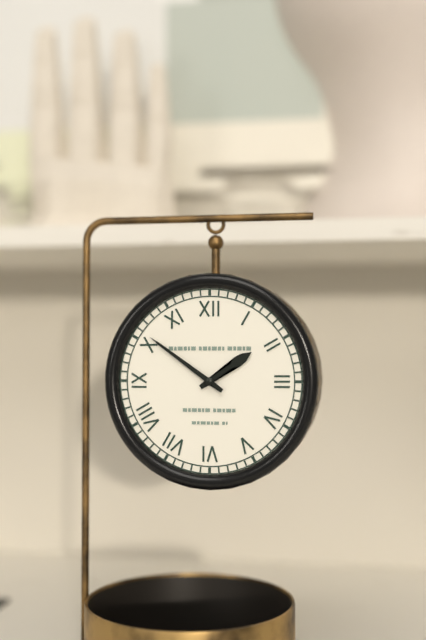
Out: **1:51**
